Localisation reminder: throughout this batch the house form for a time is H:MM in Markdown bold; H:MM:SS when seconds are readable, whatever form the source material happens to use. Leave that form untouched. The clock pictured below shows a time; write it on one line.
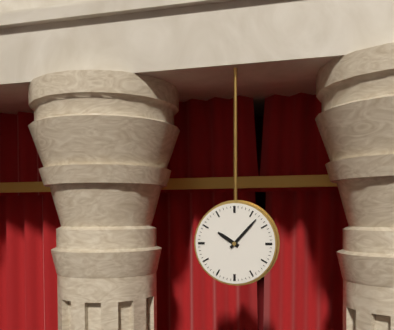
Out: **10:07**
